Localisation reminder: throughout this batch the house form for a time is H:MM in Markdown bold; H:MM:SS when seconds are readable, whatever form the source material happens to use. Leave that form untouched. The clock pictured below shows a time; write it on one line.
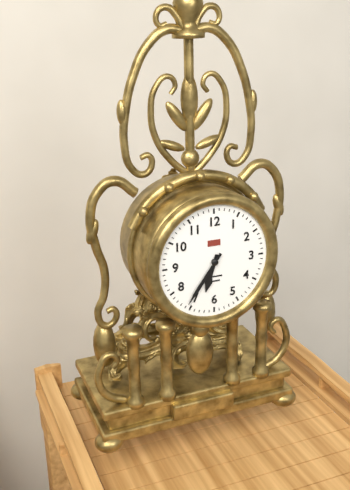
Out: **6:36**
